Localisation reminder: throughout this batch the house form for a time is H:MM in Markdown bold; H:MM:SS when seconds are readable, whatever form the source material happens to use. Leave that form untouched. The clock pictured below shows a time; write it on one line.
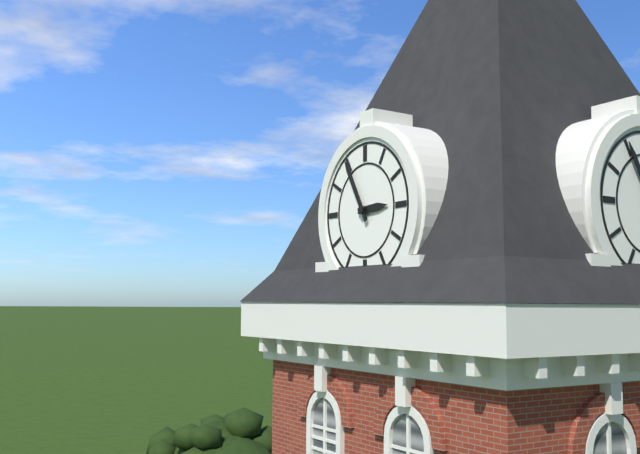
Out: **2:55**
